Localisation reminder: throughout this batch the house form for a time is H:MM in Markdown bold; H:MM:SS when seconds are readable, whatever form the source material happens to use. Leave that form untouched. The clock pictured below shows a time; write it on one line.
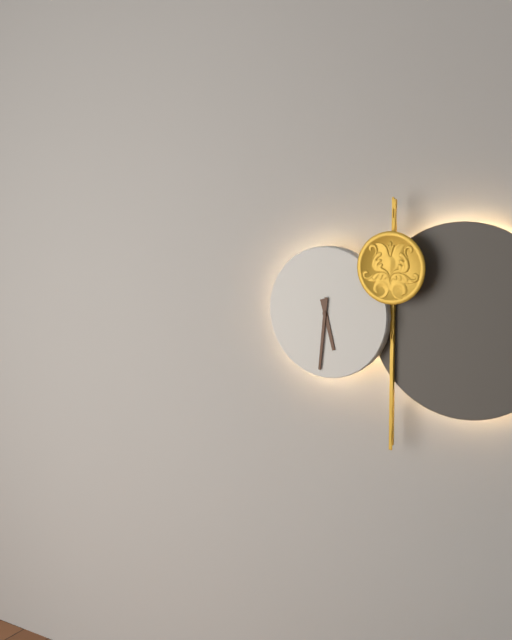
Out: **5:31**
